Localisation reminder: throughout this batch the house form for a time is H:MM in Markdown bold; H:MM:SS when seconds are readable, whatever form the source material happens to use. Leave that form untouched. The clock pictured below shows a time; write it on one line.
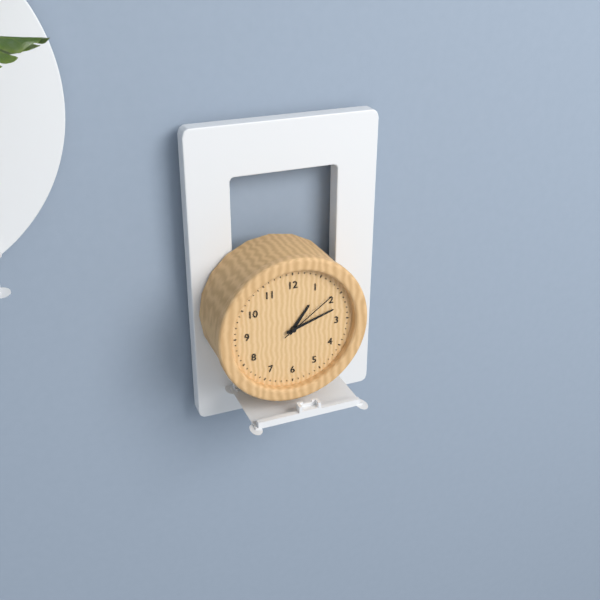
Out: **1:12:09**
